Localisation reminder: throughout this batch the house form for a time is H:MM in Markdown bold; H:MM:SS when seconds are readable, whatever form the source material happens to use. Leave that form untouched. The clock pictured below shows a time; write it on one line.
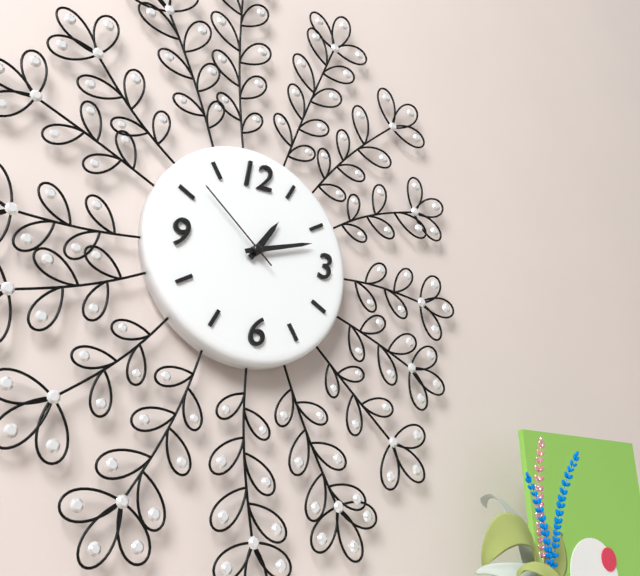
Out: **1:12:52**
